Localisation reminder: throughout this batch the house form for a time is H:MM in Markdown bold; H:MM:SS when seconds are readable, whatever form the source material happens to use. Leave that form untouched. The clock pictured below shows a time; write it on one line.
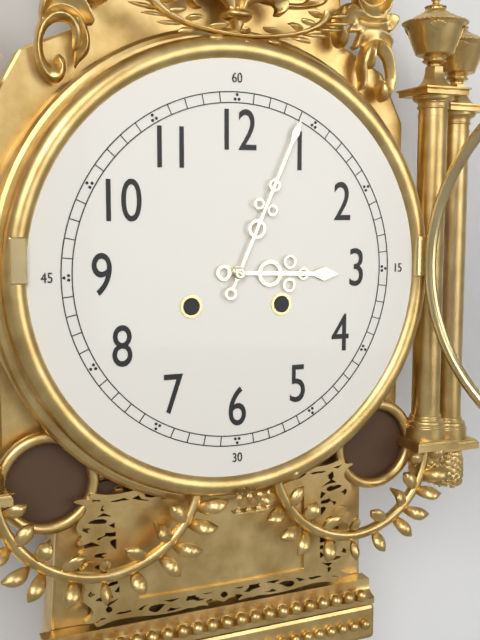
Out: **3:04**
